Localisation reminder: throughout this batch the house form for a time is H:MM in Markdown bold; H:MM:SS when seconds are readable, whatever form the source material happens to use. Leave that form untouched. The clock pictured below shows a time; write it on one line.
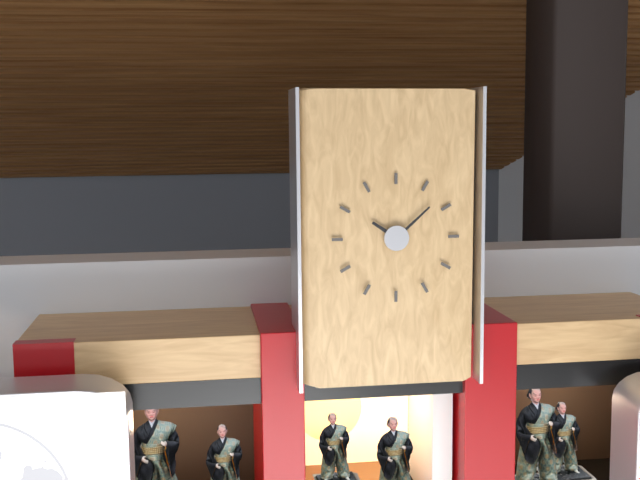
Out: **10:08**
